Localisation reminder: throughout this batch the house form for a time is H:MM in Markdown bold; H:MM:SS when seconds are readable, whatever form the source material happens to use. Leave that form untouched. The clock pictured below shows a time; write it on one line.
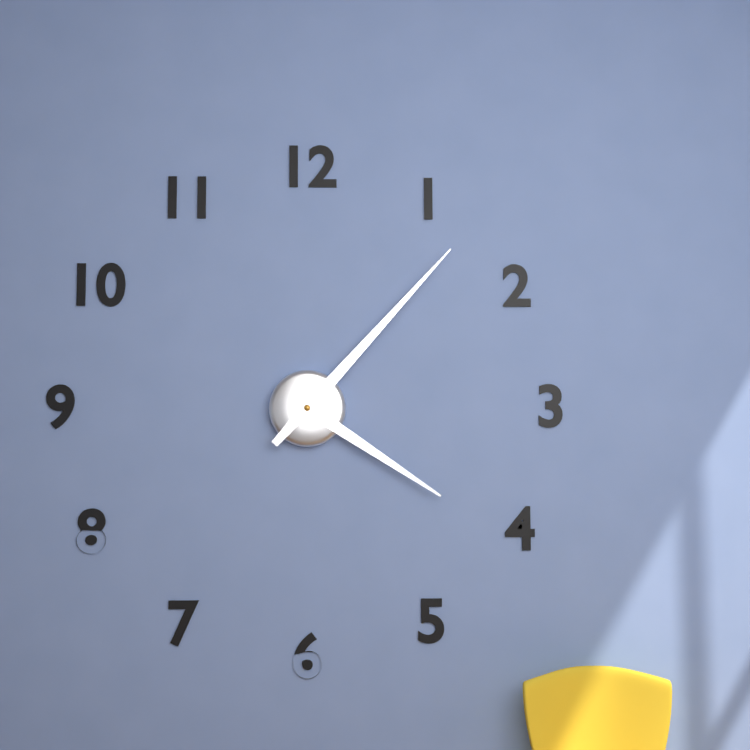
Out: **4:07**
